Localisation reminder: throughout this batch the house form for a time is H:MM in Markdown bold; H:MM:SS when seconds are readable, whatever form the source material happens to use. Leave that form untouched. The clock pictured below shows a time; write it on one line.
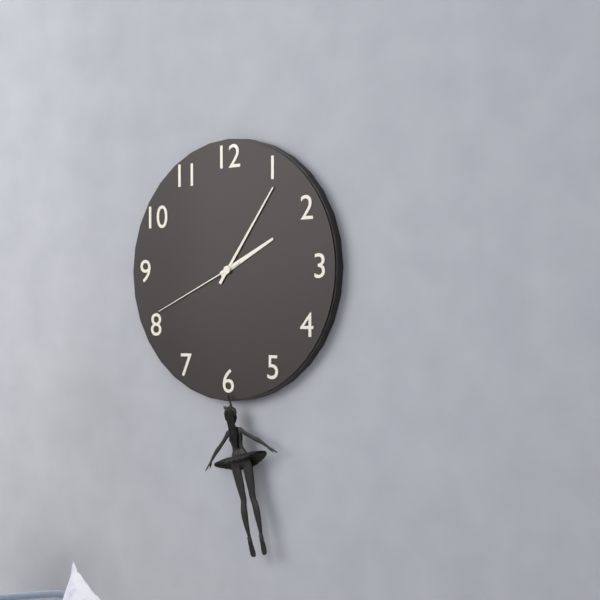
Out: **2:06:41**
